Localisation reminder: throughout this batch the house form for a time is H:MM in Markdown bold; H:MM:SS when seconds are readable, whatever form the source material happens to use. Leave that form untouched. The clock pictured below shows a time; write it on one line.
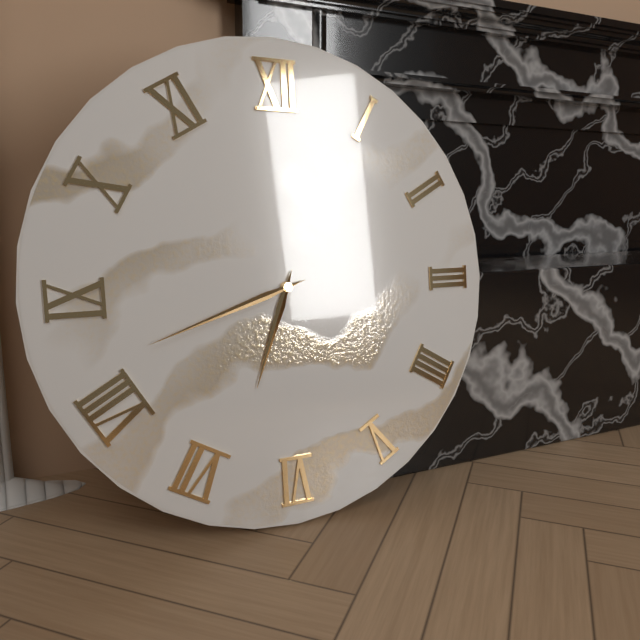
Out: **6:42**
